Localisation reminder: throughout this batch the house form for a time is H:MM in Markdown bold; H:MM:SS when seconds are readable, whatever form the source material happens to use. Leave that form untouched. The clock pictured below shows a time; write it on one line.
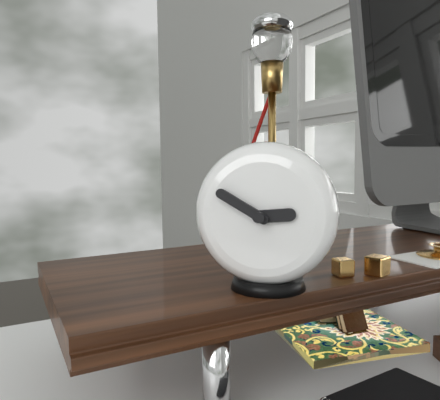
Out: **2:50**
